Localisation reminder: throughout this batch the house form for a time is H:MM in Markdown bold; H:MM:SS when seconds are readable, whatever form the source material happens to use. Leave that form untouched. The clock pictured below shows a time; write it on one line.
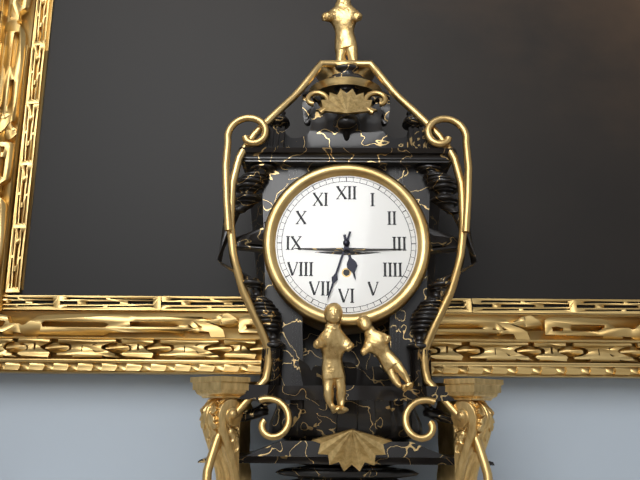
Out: **5:33**
